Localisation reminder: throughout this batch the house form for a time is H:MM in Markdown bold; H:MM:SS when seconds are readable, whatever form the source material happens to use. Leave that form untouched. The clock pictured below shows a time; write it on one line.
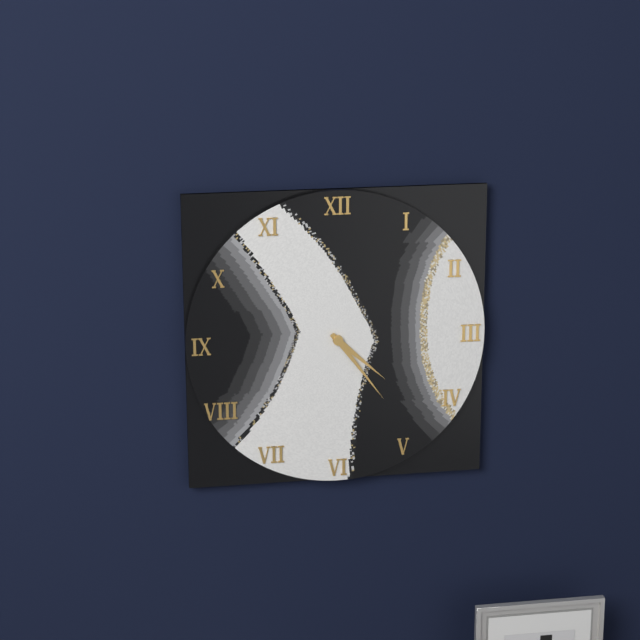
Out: **4:24**
